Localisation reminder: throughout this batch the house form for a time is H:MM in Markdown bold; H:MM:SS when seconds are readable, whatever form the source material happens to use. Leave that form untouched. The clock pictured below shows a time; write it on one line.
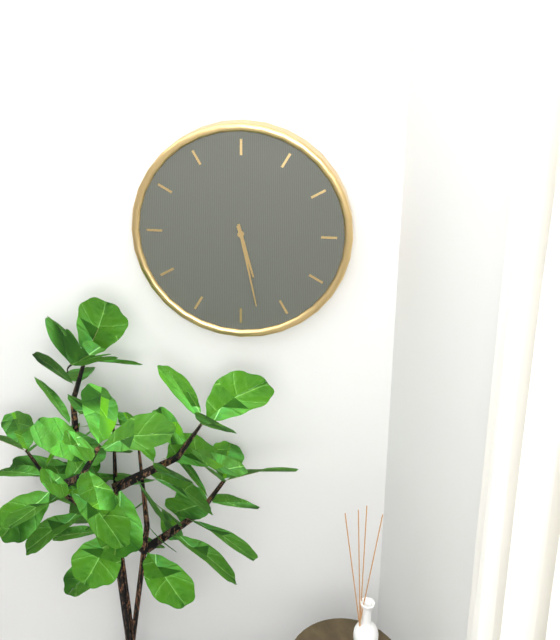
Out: **5:28**
